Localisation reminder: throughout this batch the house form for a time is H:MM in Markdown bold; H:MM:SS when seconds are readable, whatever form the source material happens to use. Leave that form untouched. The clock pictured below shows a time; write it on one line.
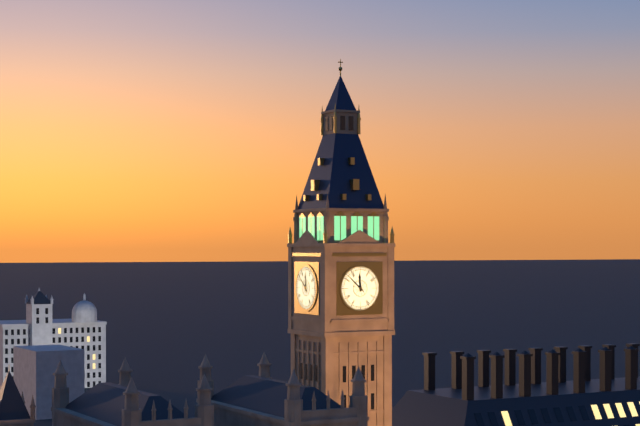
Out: **11:52**
